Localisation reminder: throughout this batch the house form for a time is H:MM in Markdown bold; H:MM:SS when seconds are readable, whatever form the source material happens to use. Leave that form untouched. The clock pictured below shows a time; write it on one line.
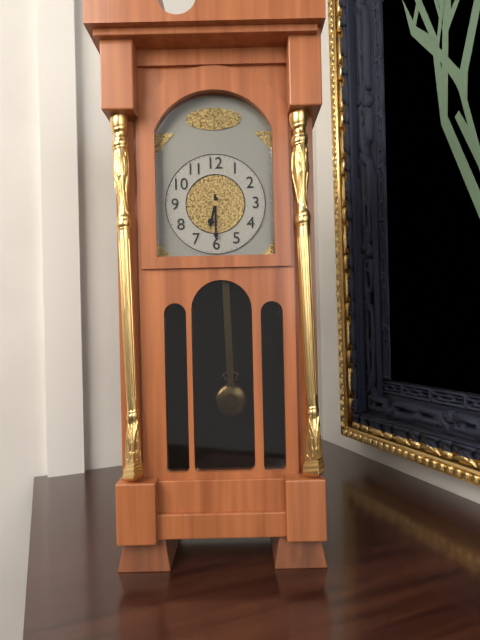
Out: **6:30**
